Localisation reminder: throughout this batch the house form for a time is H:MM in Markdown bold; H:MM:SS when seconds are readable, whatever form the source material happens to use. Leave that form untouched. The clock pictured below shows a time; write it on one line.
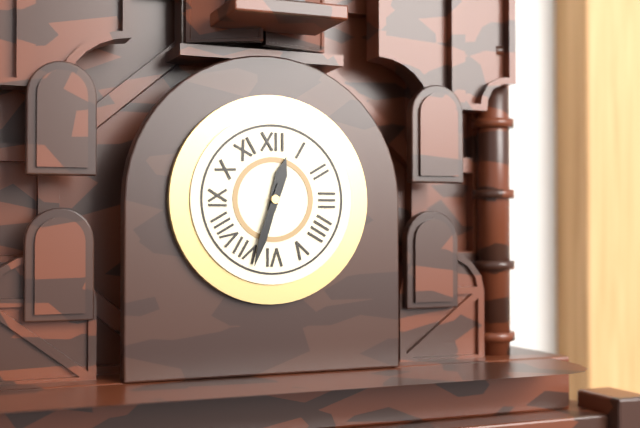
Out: **12:33**
